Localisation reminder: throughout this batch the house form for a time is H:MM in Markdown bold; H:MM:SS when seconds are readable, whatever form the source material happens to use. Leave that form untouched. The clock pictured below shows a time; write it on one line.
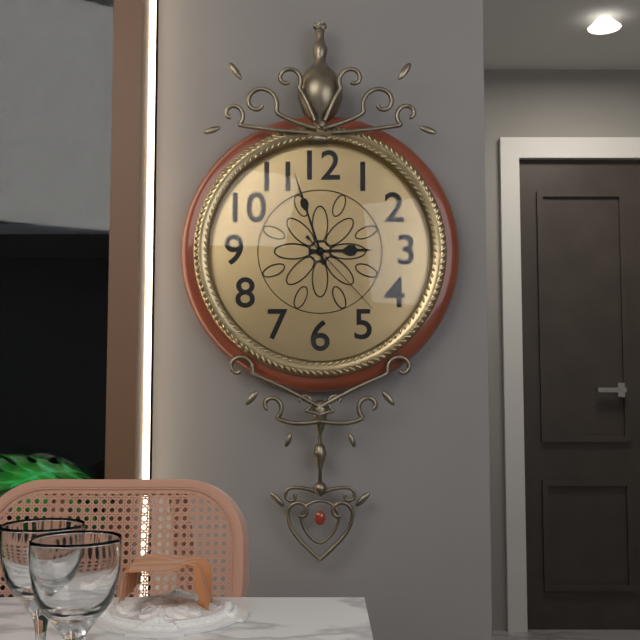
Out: **2:57:23**
